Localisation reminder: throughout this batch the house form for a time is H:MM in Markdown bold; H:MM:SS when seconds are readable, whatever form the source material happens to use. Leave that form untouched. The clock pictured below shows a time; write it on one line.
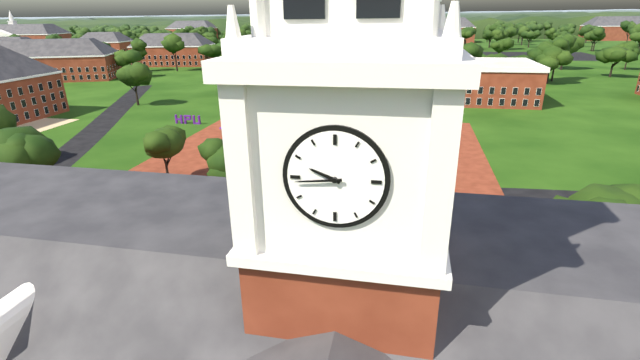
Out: **9:44**
